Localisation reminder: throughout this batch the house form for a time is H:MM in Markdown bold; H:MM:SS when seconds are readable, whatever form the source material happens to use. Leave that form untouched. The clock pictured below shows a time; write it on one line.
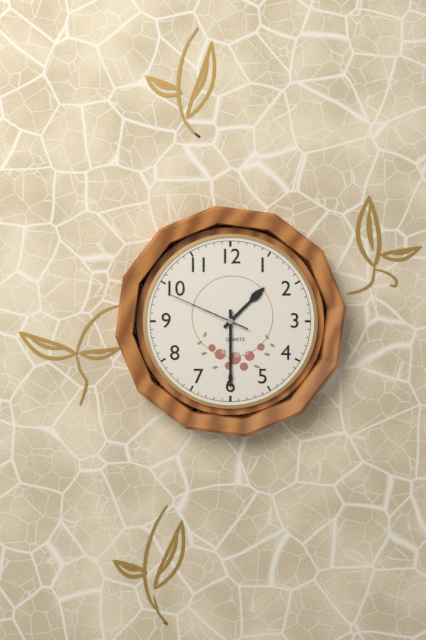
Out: **1:30:49**
